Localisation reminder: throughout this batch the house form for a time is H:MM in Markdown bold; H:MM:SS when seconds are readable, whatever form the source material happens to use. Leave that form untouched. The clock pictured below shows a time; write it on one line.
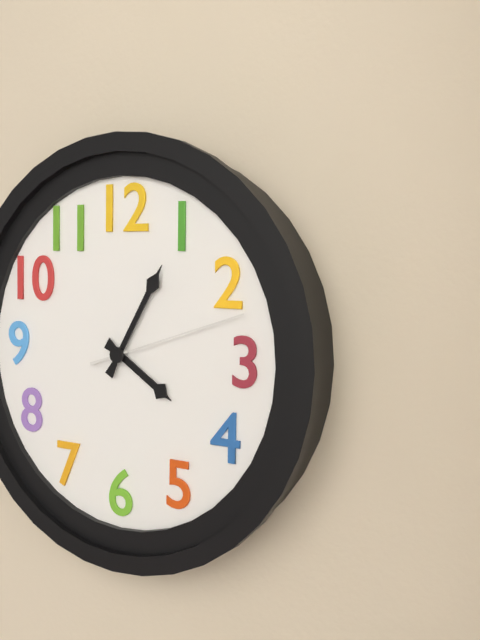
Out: **4:05:12**
